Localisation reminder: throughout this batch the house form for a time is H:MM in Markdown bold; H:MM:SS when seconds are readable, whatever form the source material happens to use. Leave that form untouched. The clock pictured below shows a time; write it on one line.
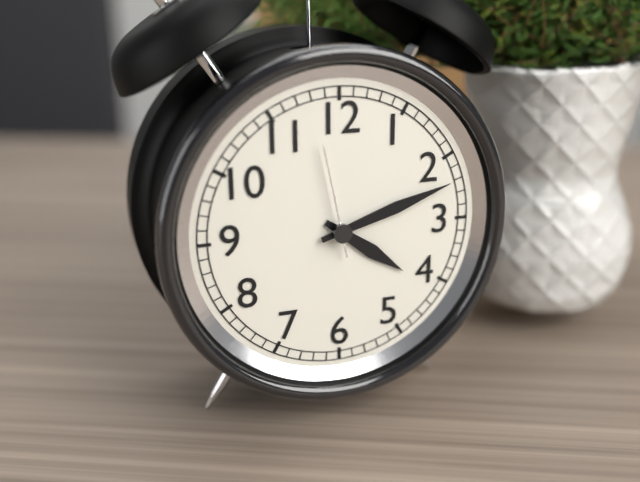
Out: **4:12:58**
